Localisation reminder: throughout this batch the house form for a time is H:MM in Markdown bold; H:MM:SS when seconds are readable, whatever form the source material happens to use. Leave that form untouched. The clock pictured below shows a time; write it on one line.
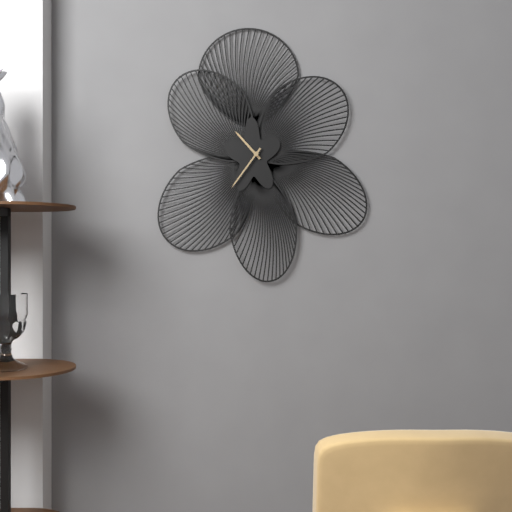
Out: **10:36**
